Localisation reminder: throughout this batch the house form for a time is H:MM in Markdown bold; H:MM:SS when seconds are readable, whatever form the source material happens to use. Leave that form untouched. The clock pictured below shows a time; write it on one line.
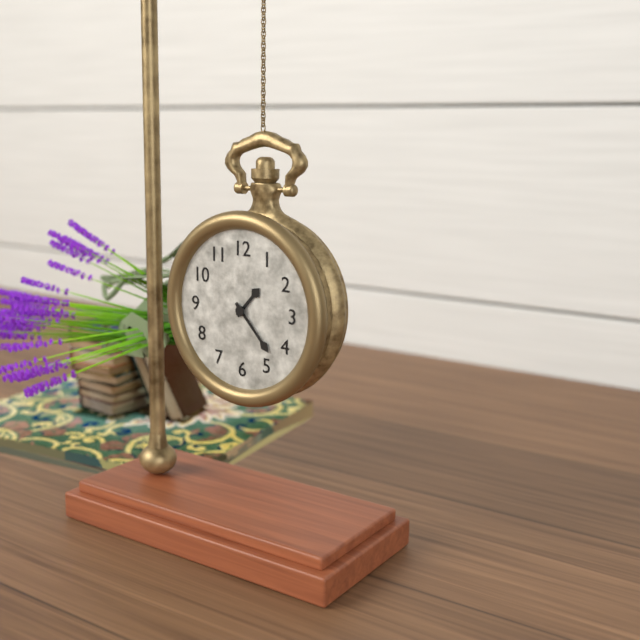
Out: **1:23**
